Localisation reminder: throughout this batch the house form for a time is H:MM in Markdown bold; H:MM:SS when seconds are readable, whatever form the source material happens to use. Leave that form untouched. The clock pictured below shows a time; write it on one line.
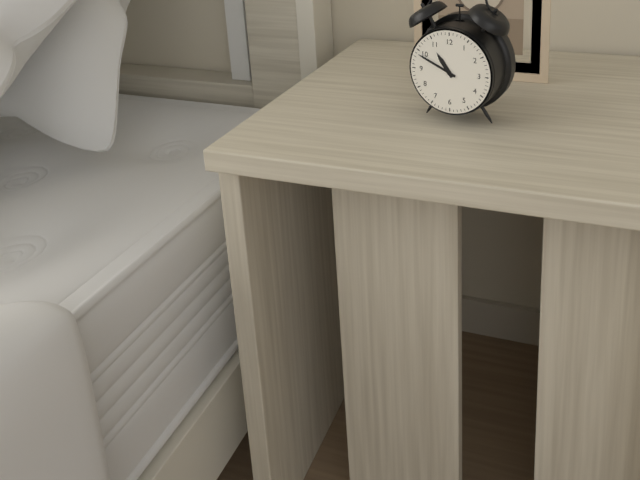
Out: **10:49**
